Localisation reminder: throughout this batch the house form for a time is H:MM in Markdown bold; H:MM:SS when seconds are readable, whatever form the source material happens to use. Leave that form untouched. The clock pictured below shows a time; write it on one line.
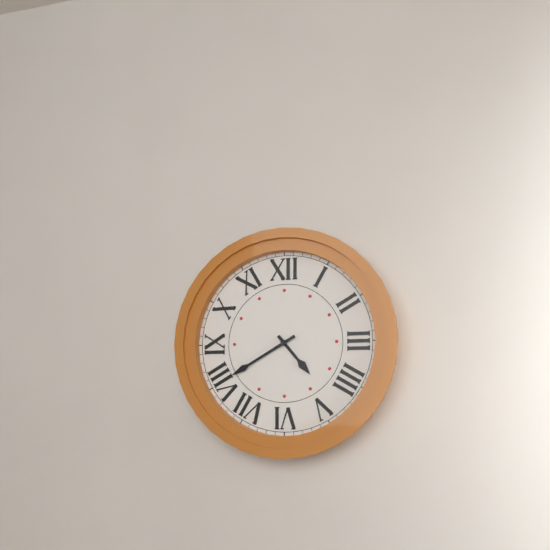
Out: **4:40**
